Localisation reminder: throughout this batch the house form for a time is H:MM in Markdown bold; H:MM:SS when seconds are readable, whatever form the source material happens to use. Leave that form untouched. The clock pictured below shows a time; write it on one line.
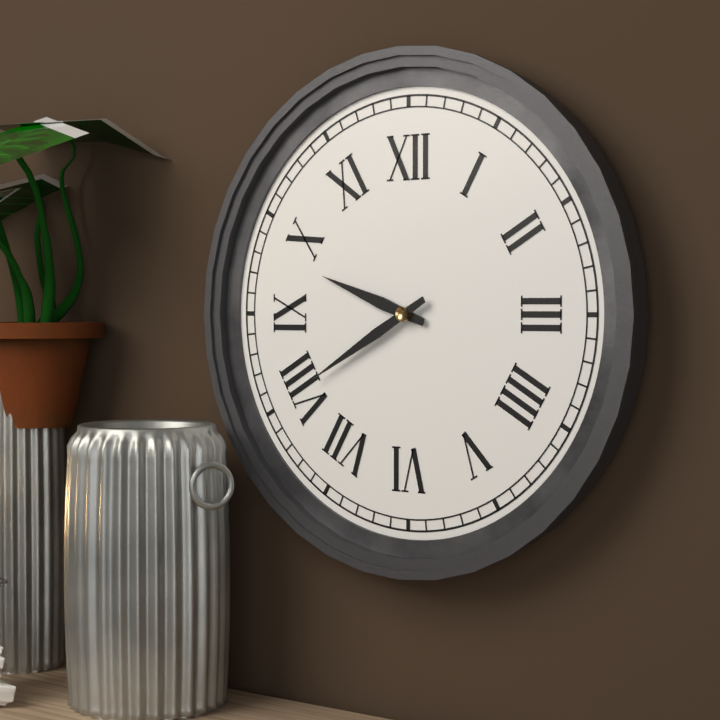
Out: **9:40**
